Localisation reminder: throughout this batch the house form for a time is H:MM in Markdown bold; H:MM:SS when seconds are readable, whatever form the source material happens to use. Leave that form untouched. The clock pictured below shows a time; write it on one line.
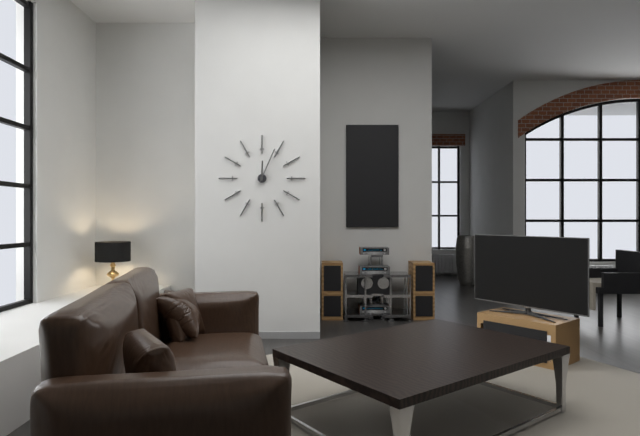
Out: **12:04**
